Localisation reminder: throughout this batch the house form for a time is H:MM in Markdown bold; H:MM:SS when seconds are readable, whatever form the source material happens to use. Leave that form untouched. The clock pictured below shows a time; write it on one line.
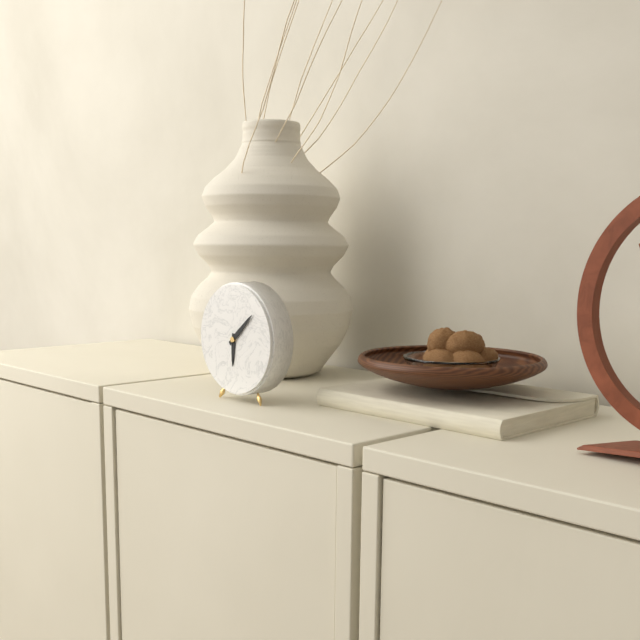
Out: **6:08**
